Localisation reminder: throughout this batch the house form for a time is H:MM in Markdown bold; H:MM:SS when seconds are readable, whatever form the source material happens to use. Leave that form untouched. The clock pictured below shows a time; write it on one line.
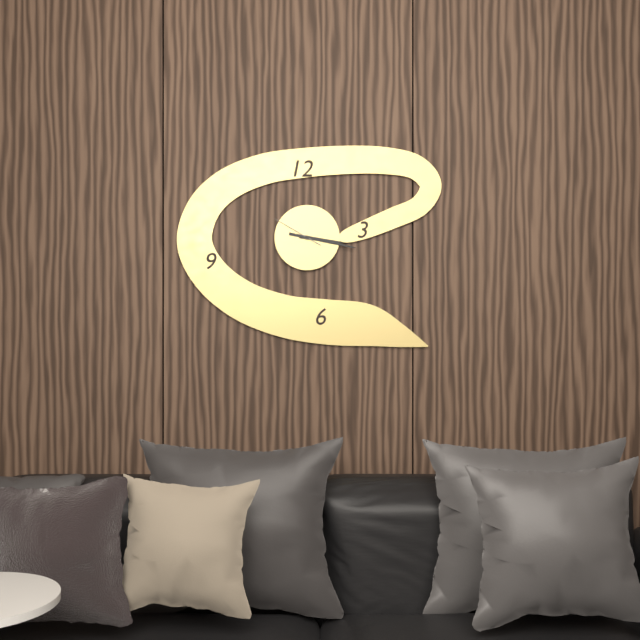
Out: **3:17**
